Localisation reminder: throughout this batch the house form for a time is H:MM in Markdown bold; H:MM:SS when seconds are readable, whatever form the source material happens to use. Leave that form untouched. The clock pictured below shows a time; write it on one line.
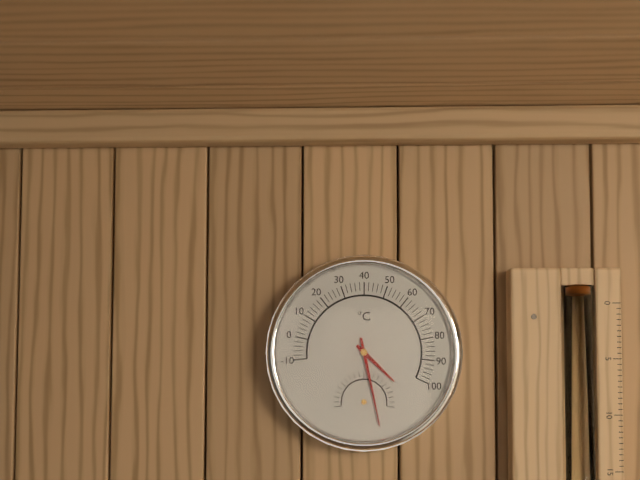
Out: **4:28**
